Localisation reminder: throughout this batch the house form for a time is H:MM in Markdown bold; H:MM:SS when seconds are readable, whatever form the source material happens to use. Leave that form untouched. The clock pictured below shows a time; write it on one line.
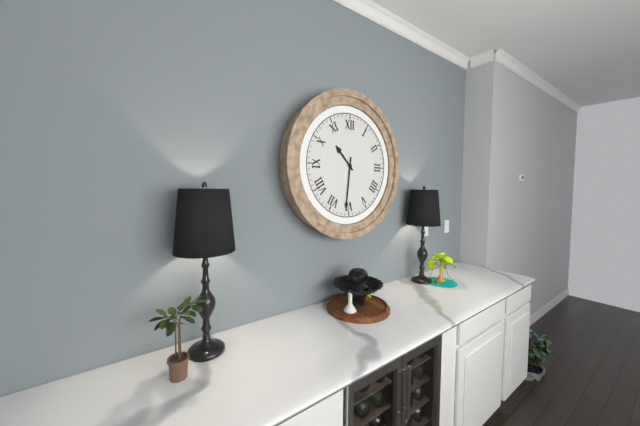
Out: **10:31**
